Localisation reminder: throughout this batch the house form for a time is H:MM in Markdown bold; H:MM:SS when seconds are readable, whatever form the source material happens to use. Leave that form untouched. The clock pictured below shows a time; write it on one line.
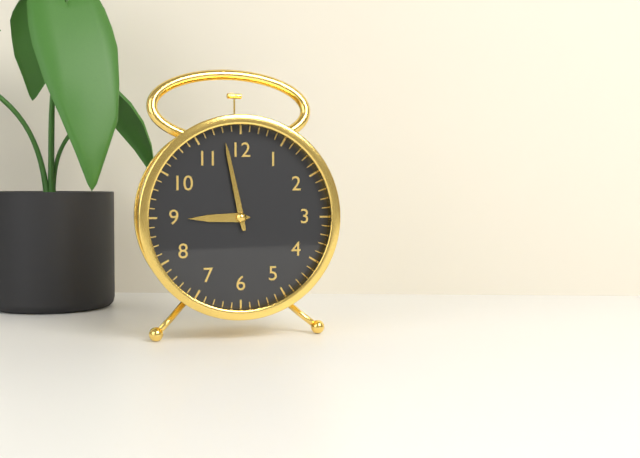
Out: **8:58**
